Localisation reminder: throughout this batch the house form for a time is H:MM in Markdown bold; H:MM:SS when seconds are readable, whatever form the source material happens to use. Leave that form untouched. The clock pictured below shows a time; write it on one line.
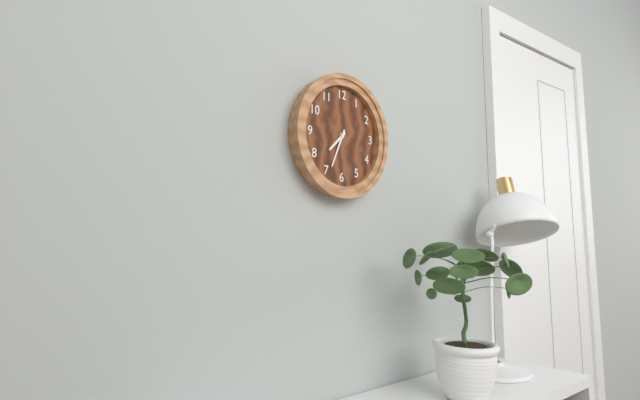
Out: **7:34**
